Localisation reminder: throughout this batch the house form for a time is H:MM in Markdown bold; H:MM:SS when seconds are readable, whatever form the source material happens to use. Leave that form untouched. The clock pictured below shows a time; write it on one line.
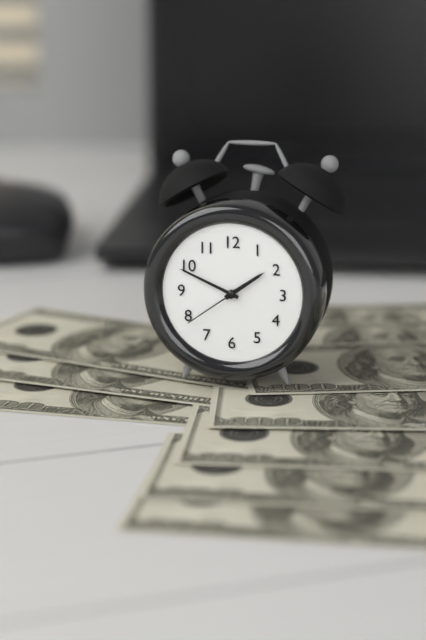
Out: **1:49:39**
